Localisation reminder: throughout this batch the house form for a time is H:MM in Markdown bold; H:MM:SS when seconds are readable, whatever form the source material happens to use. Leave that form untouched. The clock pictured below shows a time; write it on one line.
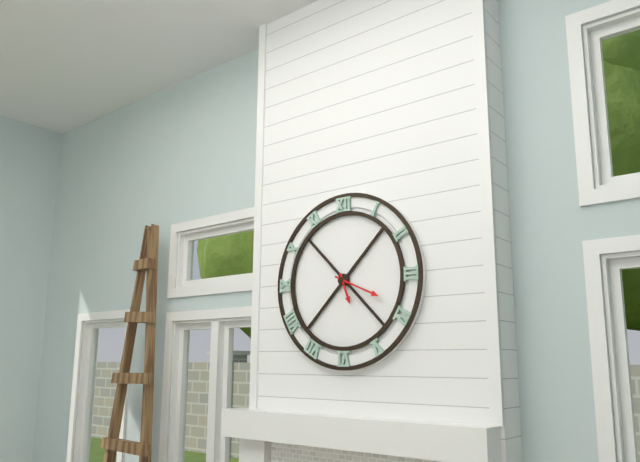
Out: **5:19**
